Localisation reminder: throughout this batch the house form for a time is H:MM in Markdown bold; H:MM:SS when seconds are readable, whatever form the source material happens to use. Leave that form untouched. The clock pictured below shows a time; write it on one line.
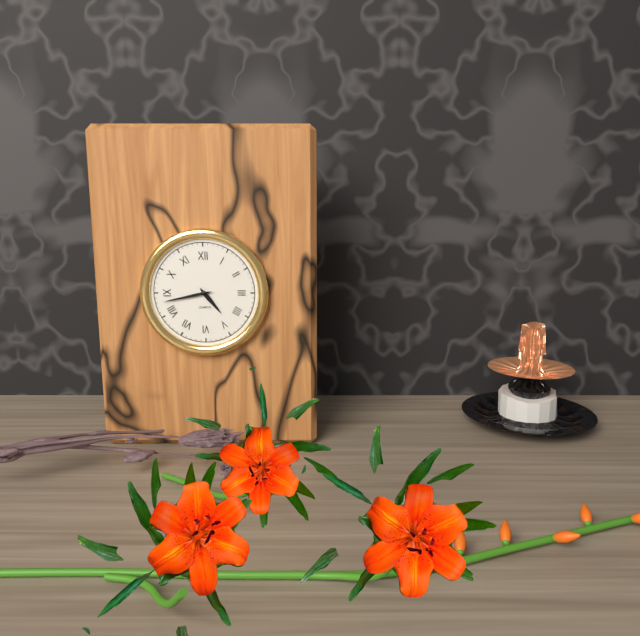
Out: **4:43**
